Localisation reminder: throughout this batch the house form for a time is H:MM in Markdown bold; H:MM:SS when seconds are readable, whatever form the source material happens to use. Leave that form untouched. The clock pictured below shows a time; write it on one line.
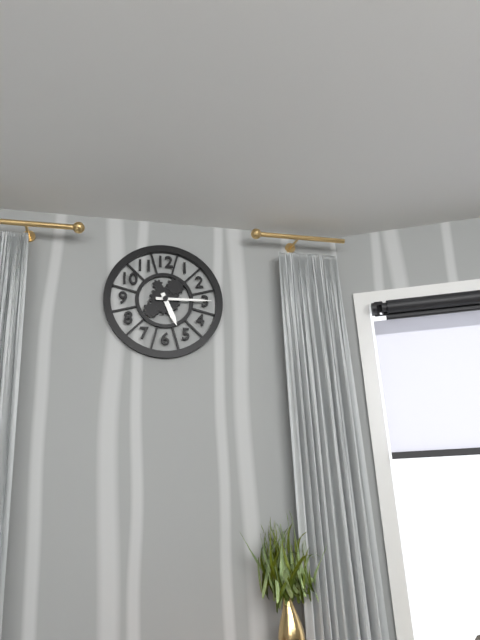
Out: **5:15**
